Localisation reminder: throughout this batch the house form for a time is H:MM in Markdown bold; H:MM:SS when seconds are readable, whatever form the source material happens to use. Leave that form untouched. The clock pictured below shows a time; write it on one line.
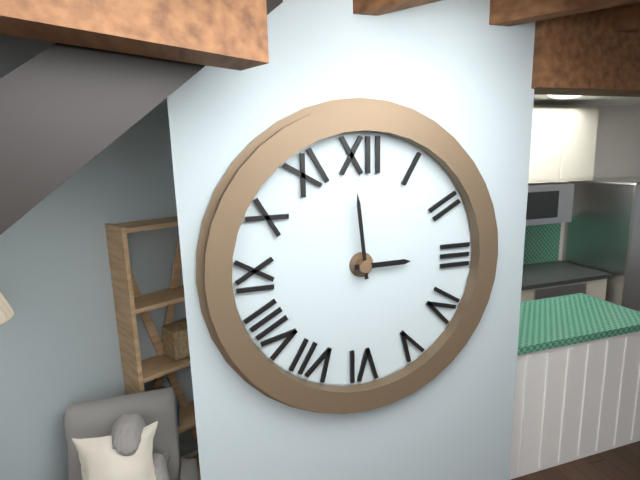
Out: **2:59**
